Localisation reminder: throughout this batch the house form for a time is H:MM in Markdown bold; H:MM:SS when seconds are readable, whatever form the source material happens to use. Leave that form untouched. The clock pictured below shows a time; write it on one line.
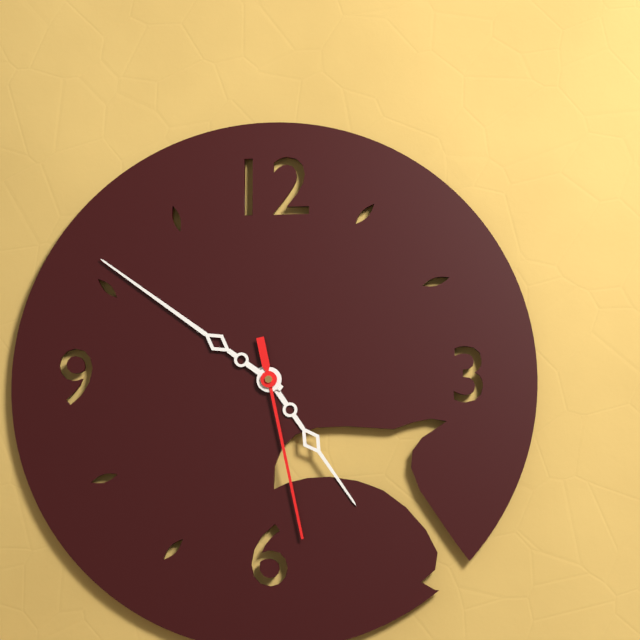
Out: **4:51:28**
